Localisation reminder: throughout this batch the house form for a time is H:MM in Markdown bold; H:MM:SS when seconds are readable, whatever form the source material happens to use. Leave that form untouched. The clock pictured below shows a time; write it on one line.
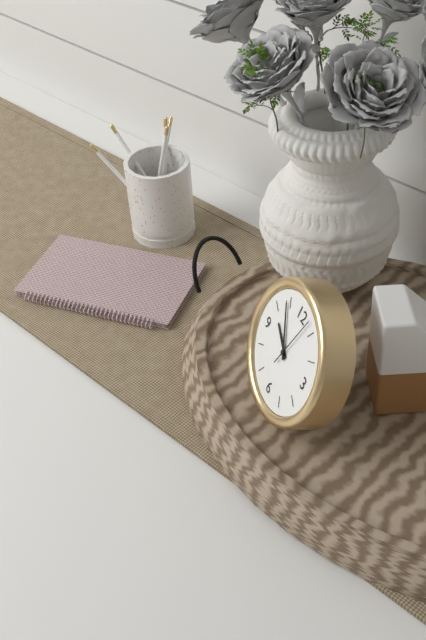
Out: **9:54:03**
